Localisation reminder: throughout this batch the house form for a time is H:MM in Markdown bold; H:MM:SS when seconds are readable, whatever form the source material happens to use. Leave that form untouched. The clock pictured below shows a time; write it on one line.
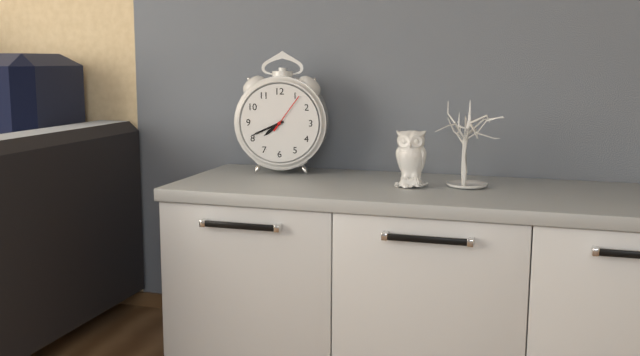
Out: **7:41**
